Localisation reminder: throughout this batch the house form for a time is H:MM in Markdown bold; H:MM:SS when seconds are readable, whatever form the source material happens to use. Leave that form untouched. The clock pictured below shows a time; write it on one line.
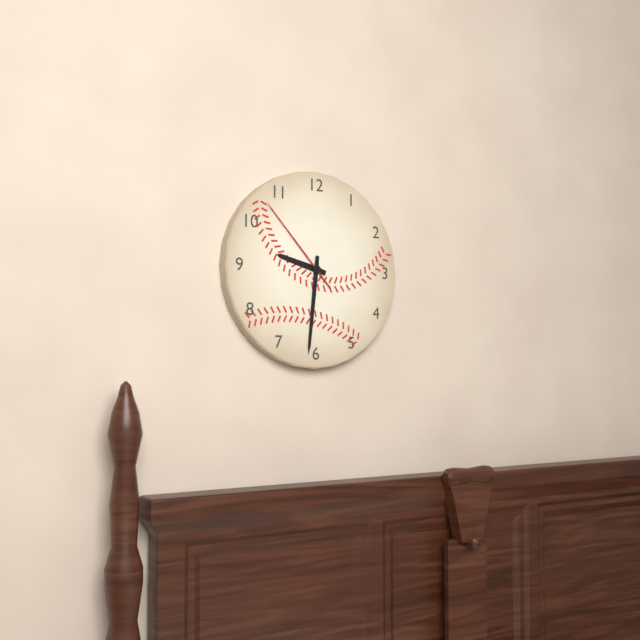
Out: **9:31:53**
